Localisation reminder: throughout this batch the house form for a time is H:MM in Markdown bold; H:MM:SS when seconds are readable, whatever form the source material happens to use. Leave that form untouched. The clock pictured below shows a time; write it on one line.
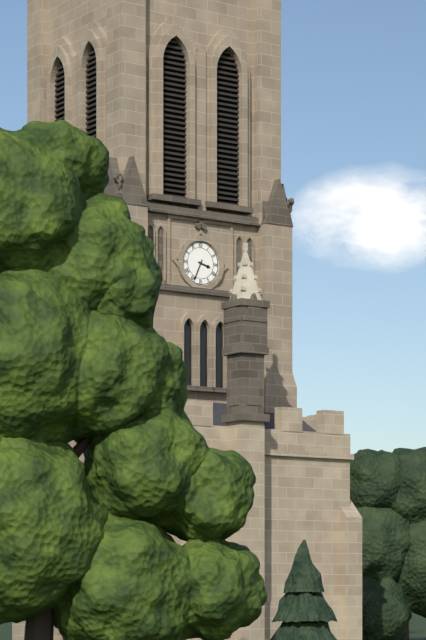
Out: **3:34**
